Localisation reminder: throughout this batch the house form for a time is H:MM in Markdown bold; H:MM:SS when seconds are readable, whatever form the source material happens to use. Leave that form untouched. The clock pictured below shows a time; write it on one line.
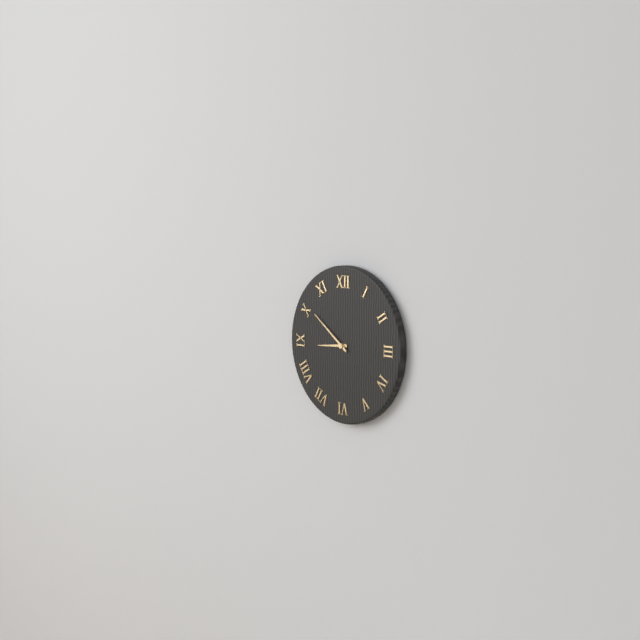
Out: **8:51**
